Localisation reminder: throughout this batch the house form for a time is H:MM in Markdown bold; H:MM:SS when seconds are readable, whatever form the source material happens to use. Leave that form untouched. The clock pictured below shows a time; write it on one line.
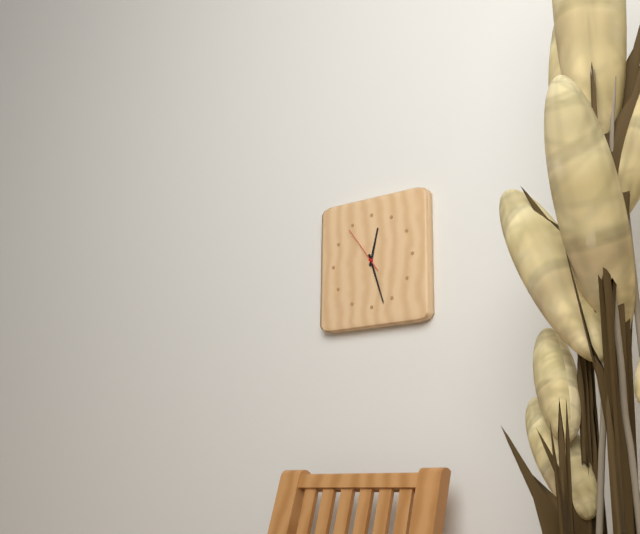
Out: **12:27**
